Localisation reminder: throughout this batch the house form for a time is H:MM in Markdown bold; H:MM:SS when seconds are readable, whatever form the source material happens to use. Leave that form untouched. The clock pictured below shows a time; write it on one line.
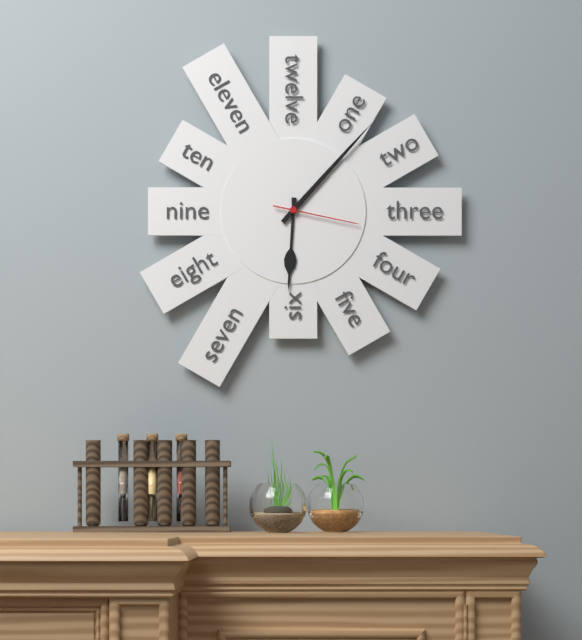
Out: **6:07:17**
